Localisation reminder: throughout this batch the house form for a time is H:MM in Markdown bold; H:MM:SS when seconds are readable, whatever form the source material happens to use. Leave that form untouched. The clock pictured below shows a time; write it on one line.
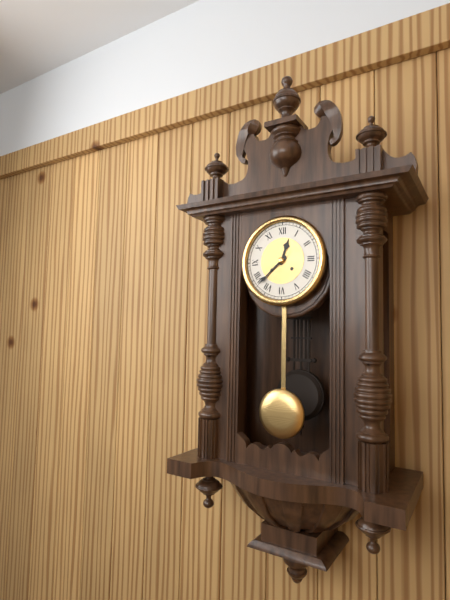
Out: **12:38**
